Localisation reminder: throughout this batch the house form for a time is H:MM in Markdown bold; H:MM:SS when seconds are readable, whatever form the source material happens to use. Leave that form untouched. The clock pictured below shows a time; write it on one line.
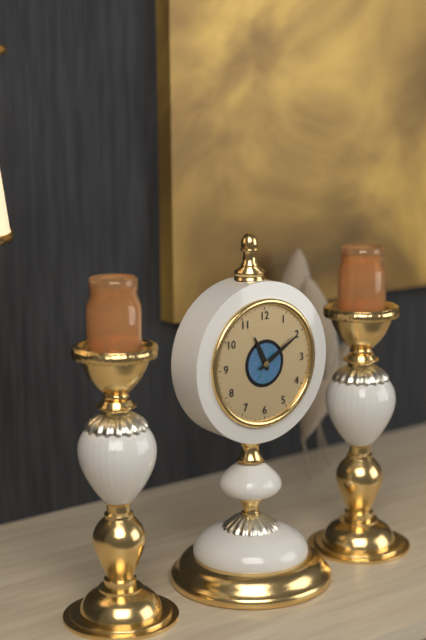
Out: **11:10**
